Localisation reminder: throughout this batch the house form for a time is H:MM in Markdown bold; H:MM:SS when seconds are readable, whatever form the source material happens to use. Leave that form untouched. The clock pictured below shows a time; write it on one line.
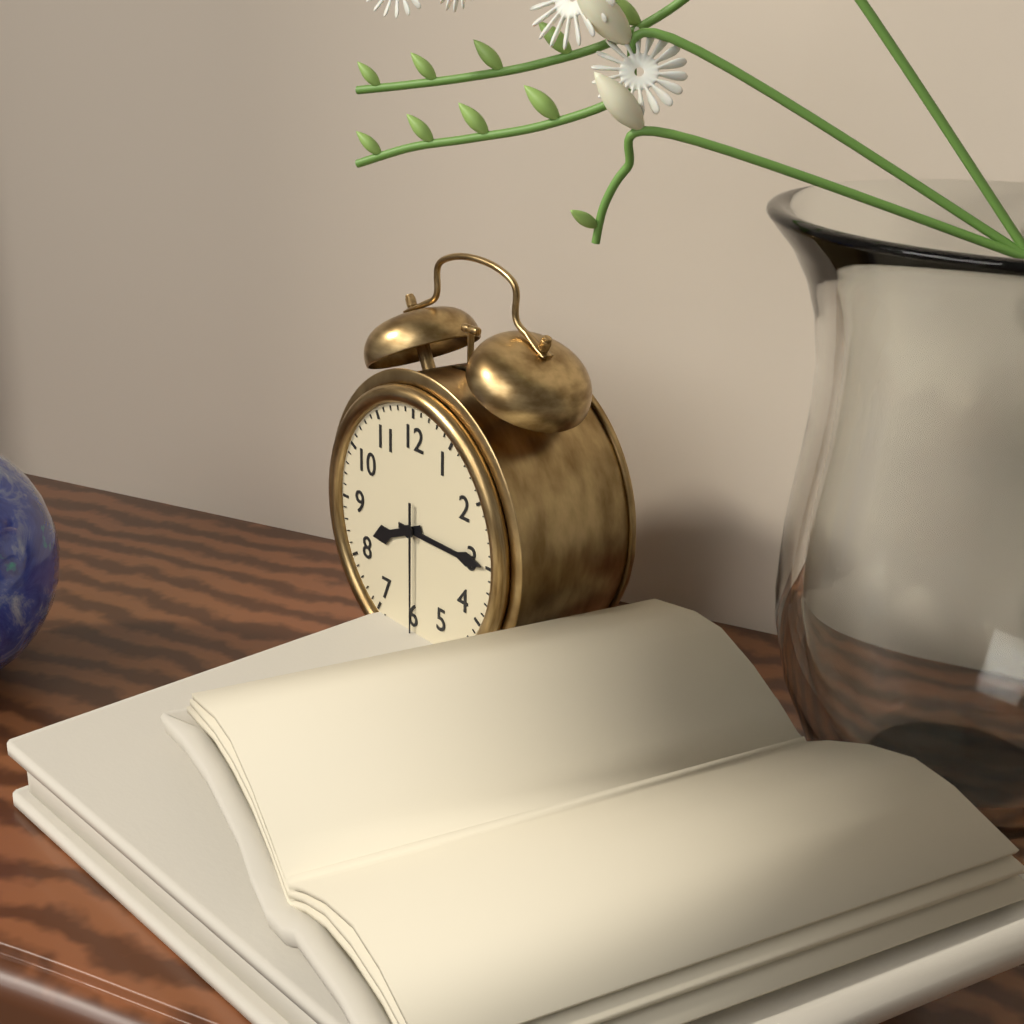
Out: **8:15:30**
